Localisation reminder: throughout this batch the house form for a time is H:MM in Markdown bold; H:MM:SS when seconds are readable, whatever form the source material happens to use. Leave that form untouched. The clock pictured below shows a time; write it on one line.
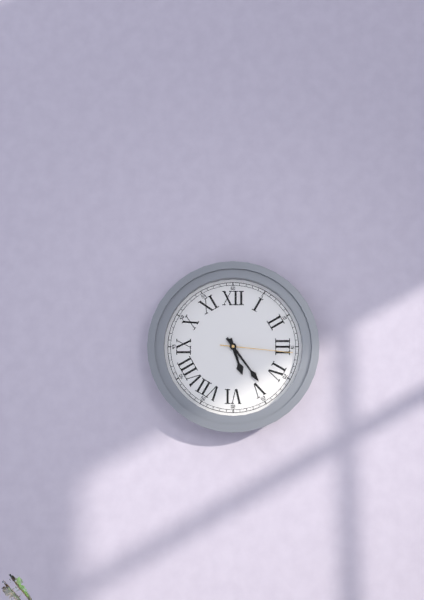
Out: **5:24:16**
